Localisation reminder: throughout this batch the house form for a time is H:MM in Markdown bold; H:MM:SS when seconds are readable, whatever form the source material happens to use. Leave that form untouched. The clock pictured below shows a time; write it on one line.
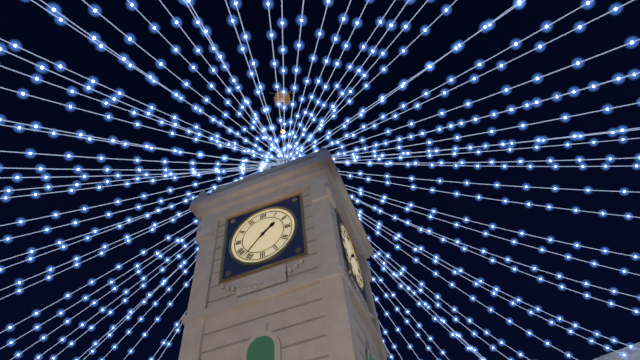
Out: **1:37**
